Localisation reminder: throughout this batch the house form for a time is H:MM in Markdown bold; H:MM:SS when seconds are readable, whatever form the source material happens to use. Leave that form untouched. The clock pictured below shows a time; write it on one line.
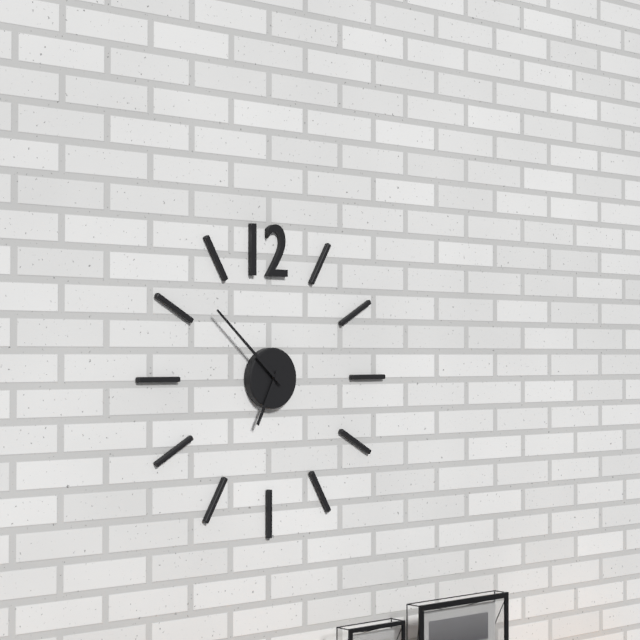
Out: **6:52**
